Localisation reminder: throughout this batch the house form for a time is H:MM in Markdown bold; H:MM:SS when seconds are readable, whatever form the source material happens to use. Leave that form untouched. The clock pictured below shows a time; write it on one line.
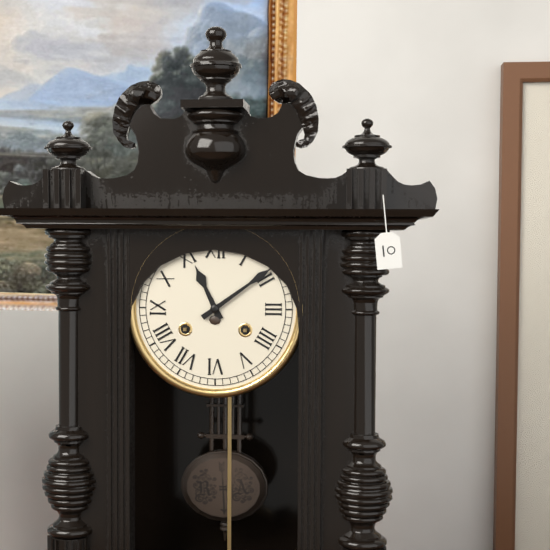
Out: **11:09**
